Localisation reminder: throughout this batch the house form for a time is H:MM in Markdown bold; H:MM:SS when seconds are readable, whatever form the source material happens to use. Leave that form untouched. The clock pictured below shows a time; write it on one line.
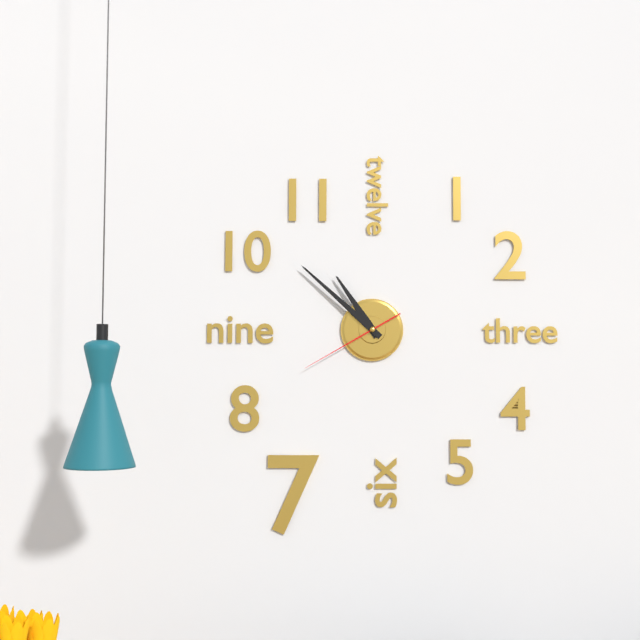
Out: **10:52:40**
